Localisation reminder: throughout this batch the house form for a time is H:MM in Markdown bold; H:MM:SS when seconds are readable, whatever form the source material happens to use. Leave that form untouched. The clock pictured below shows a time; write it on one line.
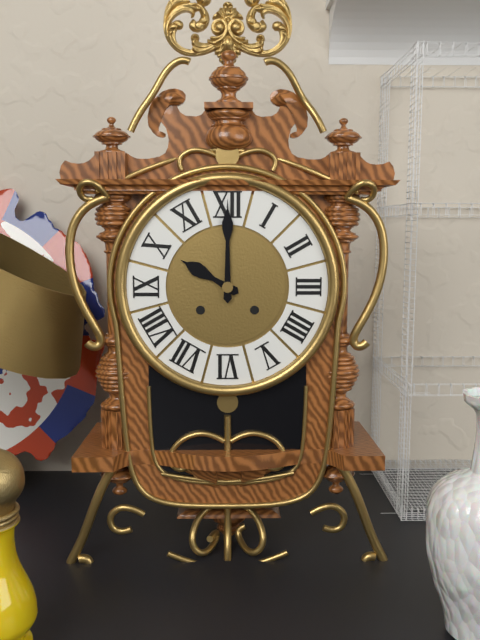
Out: **10:00**
